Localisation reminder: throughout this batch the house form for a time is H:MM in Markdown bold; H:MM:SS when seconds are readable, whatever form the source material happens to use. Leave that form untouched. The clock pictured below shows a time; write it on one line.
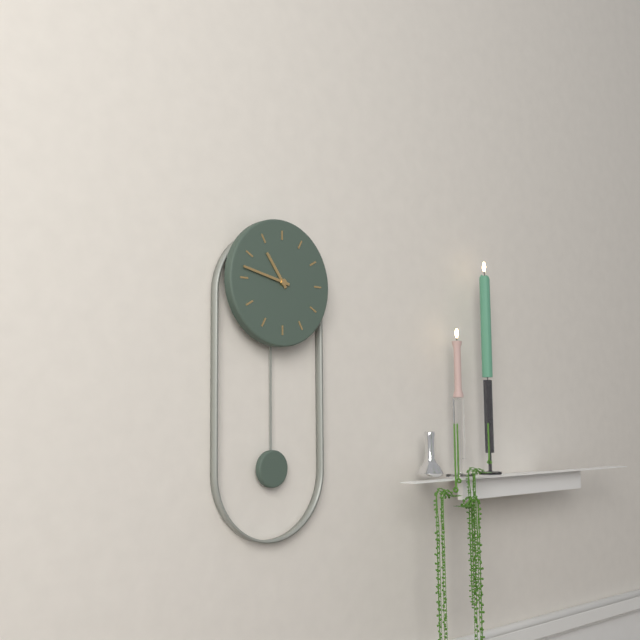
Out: **10:47**
